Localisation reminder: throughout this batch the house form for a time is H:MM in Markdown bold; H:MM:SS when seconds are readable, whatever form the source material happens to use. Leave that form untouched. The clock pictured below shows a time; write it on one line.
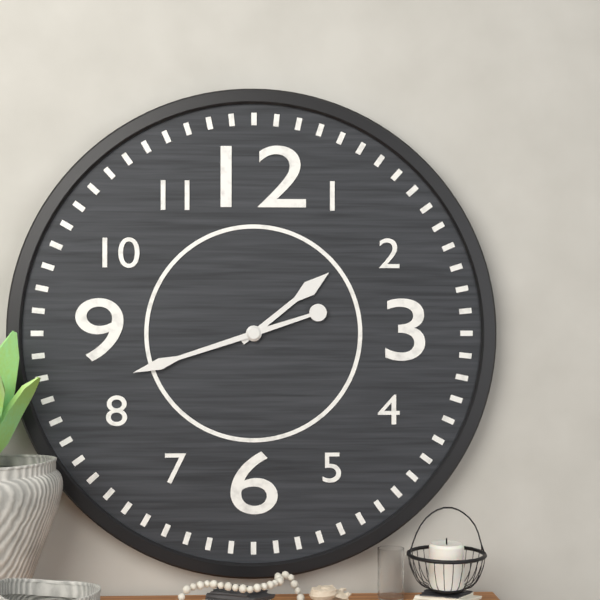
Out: **1:42**
